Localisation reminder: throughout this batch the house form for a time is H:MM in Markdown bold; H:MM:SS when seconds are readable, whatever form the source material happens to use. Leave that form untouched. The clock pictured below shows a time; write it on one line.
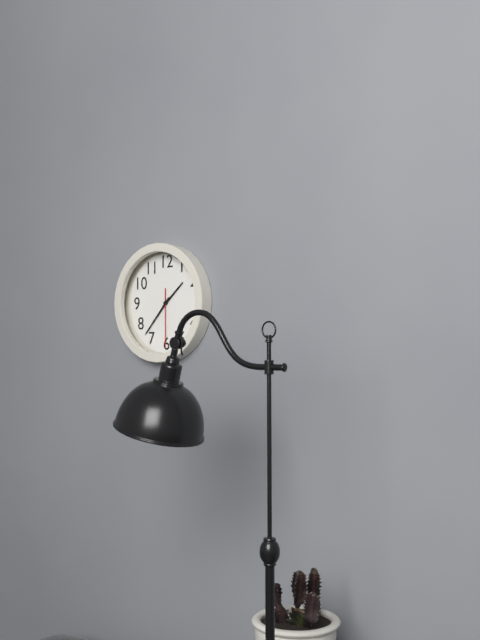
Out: **1:37:30**
